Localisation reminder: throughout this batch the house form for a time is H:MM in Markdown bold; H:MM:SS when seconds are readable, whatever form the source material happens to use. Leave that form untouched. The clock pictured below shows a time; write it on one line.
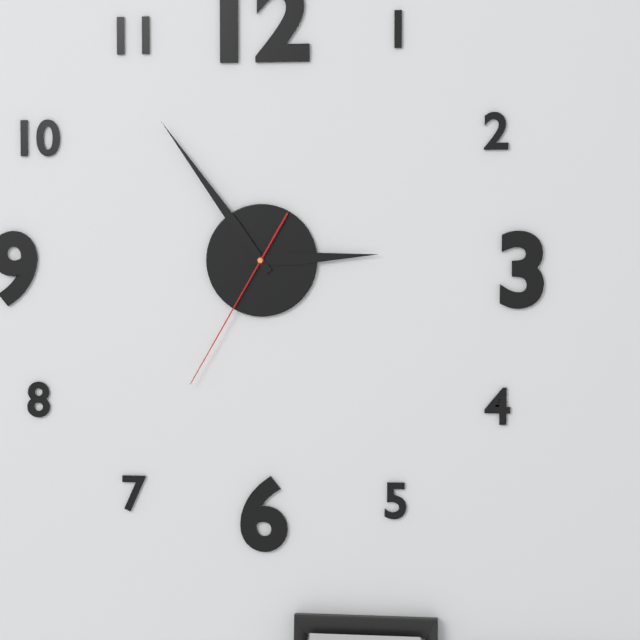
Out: **2:54:35**
